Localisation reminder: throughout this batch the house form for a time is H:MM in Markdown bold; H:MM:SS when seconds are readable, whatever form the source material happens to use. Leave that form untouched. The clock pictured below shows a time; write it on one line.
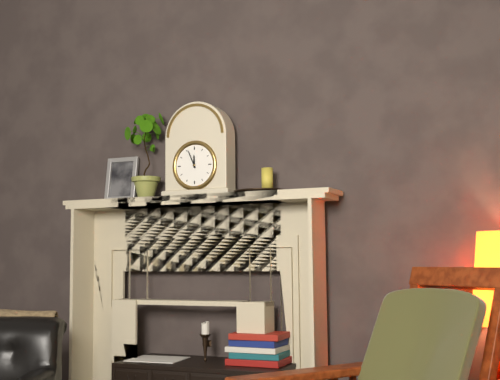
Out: **11:56**
